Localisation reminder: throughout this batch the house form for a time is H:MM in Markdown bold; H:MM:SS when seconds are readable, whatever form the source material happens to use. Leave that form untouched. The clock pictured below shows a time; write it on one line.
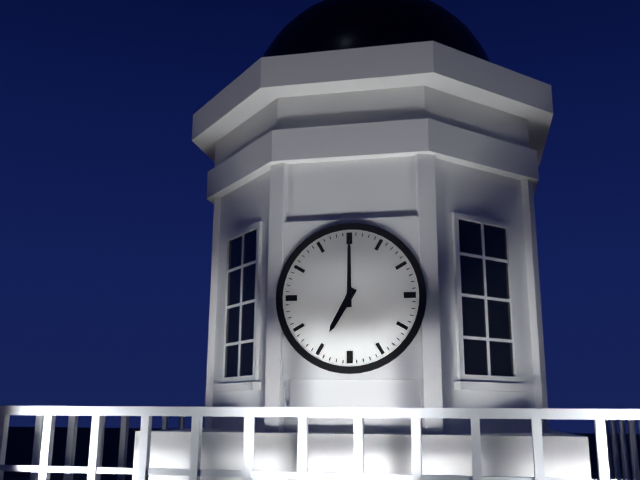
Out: **7:00**
